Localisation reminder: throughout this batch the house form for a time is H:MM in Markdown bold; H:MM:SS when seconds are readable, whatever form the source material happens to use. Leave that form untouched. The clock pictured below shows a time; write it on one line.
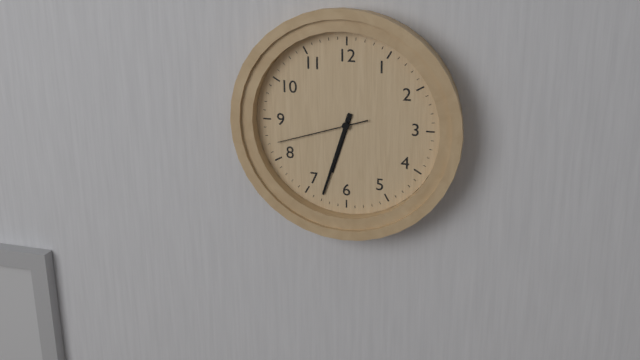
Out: **6:33:42**
